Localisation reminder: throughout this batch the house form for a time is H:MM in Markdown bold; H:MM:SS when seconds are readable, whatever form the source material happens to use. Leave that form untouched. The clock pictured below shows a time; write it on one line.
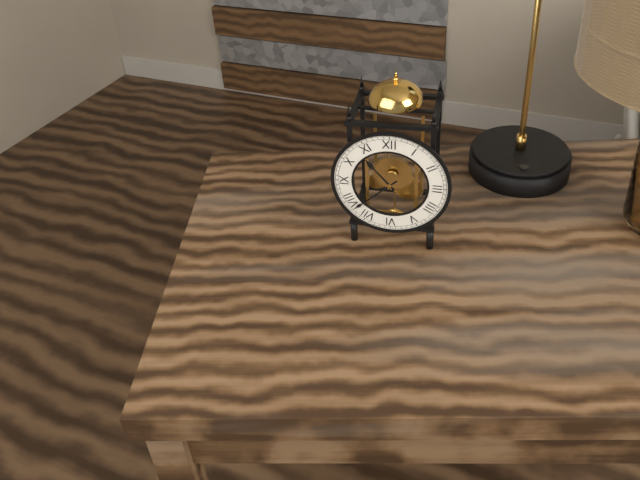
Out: **10:38**
